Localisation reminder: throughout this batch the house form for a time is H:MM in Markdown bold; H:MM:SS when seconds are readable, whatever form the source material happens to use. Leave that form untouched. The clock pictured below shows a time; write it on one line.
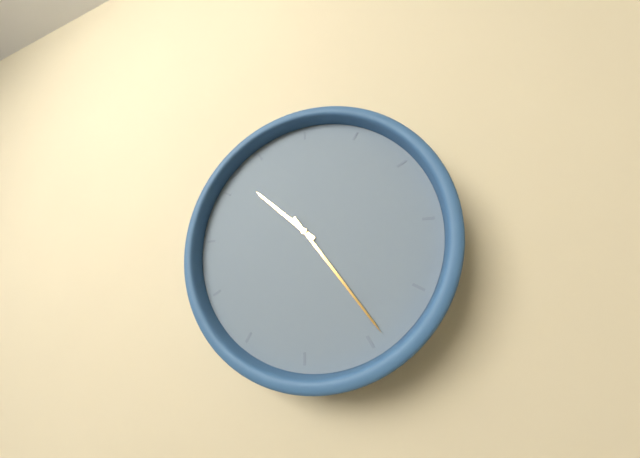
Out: **10:24**
